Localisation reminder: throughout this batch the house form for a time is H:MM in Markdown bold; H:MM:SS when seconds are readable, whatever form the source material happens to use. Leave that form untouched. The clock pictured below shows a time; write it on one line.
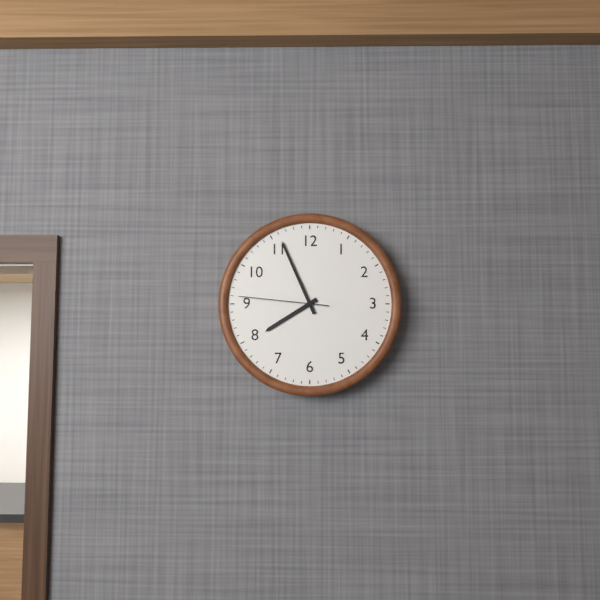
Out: **7:56:46**
